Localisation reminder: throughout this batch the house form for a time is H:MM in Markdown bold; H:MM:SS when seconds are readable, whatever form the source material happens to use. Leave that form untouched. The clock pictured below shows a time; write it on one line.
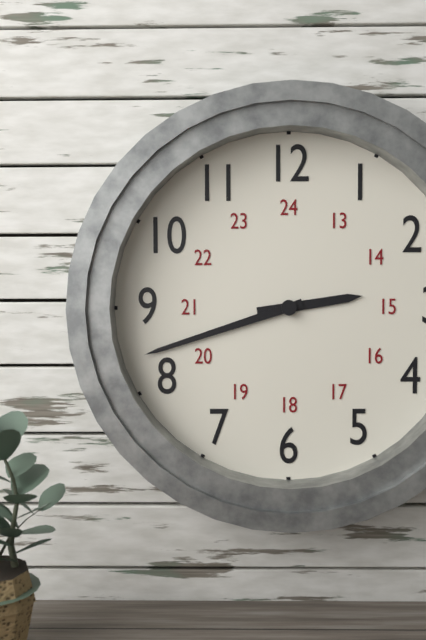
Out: **2:42**
